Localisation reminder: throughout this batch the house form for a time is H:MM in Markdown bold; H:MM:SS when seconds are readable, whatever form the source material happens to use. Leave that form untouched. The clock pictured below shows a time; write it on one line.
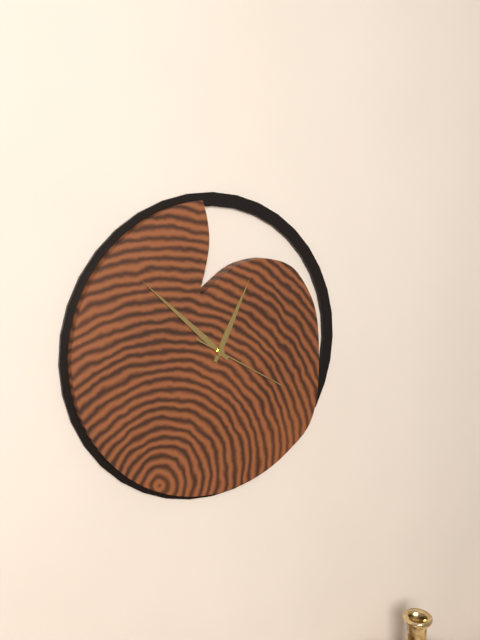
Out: **12:52:20**
